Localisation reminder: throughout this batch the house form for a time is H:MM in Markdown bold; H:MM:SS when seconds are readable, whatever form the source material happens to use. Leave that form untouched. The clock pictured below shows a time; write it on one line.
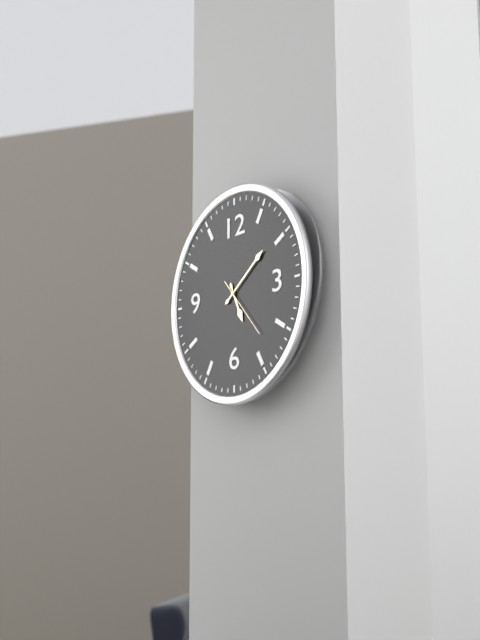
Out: **5:09:23**
